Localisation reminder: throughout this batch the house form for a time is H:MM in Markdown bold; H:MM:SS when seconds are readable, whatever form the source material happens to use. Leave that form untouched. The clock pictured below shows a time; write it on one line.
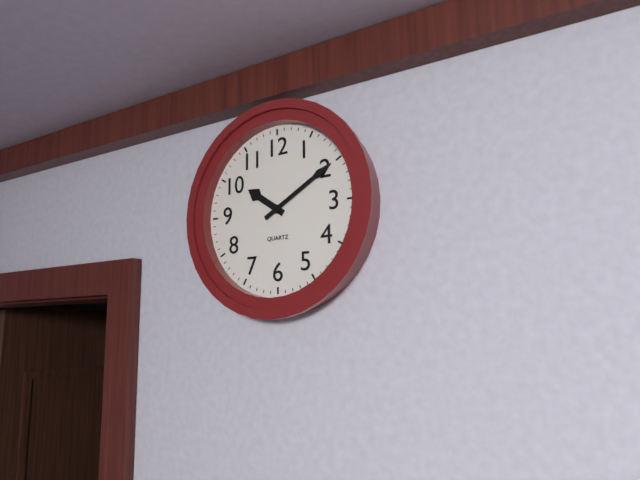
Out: **10:10**
